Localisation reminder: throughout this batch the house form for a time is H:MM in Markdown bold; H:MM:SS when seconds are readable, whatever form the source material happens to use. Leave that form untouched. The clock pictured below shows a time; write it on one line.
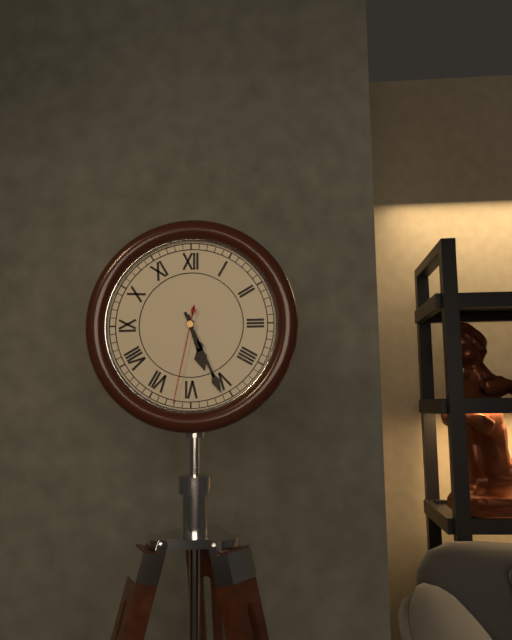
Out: **5:26:32**
